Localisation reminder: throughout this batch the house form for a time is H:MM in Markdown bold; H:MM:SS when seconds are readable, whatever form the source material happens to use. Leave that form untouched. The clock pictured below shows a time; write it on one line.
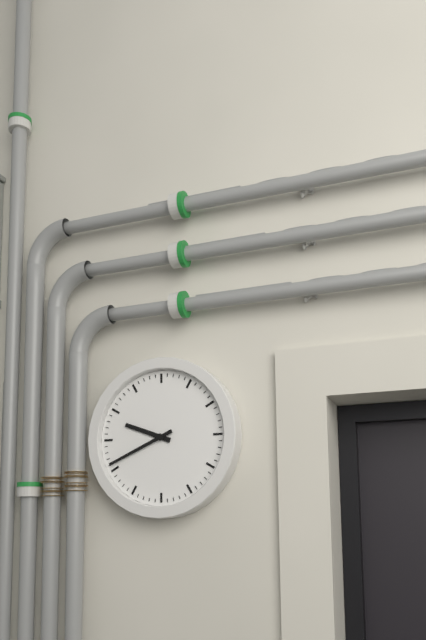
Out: **9:41**
